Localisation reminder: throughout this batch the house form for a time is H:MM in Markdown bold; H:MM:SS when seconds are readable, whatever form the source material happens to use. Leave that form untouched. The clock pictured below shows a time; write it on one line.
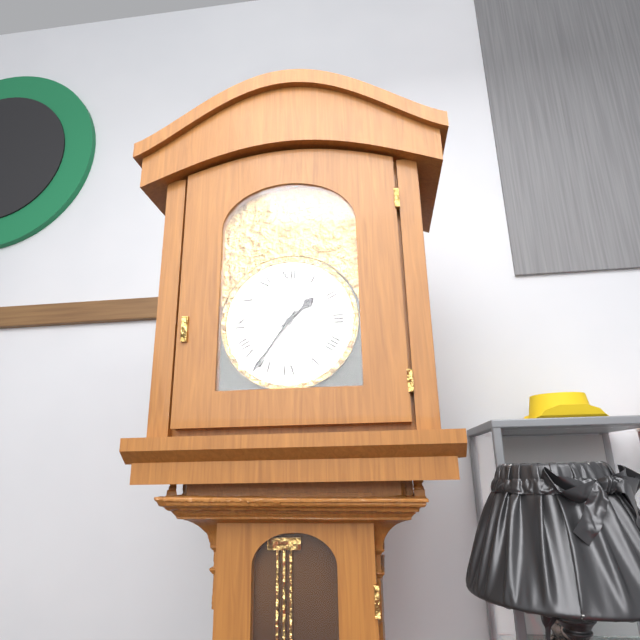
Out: **1:36**
